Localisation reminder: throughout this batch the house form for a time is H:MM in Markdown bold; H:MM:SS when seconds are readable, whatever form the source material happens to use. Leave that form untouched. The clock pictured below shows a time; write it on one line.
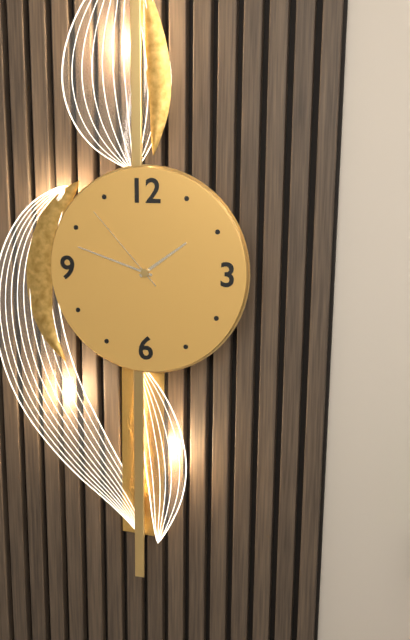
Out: **1:48:53**
